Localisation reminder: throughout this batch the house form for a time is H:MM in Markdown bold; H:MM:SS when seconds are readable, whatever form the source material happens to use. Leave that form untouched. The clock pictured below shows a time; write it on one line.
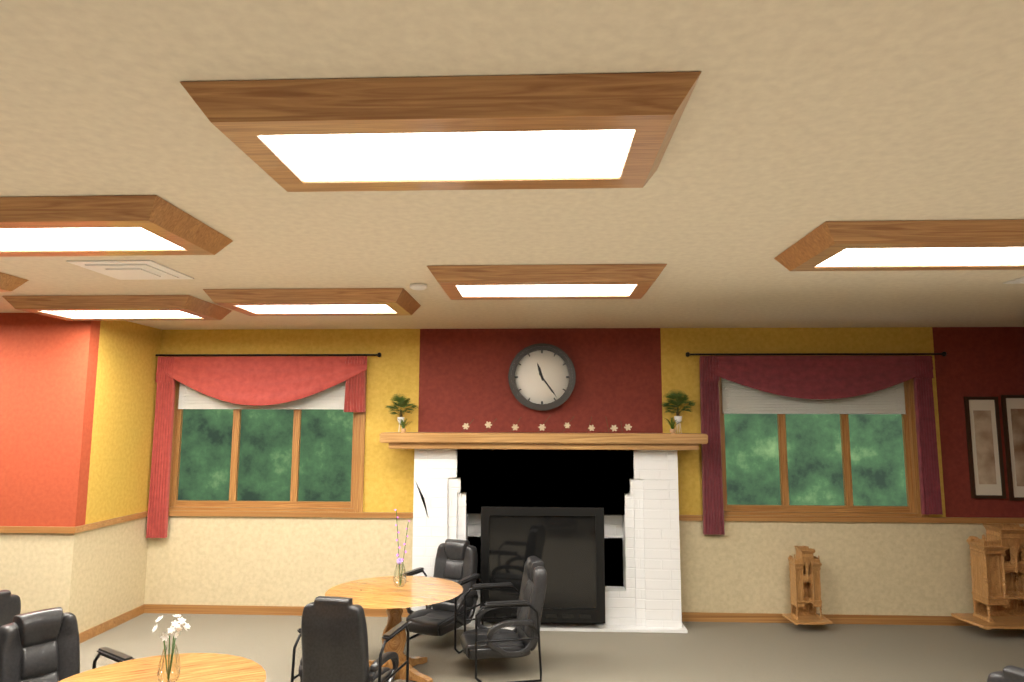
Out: **11:24**
